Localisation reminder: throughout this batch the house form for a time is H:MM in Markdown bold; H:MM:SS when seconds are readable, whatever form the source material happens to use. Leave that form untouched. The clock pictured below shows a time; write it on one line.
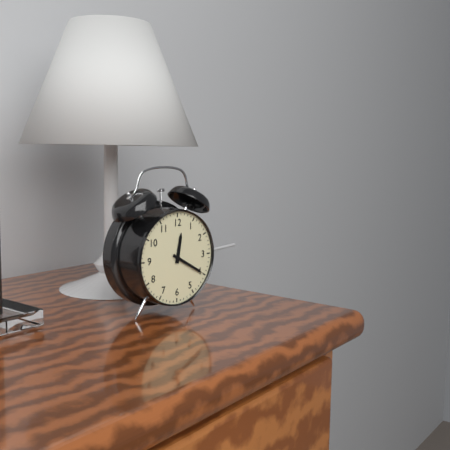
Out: **12:20**
